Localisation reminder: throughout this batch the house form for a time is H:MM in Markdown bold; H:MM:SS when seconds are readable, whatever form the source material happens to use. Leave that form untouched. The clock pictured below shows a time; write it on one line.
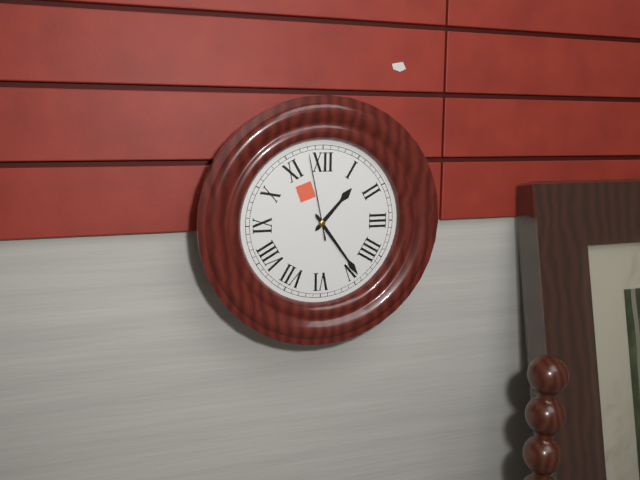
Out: **1:24:58**
